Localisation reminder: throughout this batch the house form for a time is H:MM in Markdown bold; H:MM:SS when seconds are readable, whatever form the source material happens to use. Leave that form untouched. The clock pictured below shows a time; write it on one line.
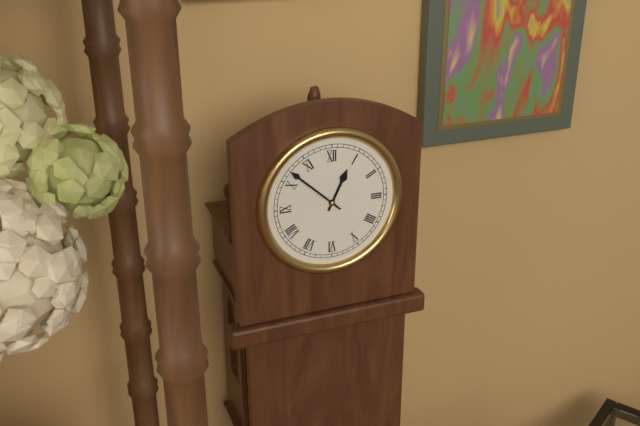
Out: **12:52**
